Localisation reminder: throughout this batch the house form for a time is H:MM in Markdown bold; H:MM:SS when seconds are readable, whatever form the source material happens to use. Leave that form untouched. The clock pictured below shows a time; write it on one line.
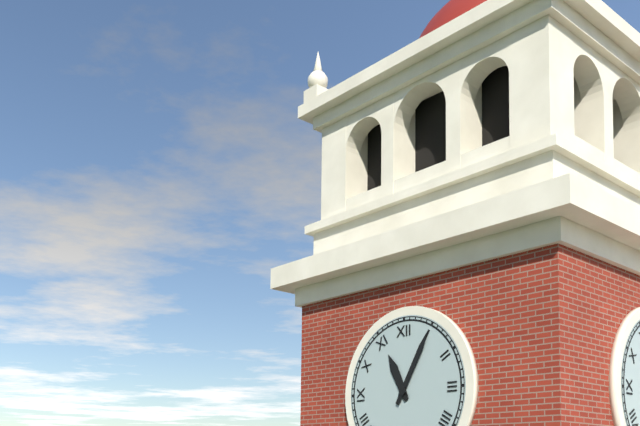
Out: **11:05**
